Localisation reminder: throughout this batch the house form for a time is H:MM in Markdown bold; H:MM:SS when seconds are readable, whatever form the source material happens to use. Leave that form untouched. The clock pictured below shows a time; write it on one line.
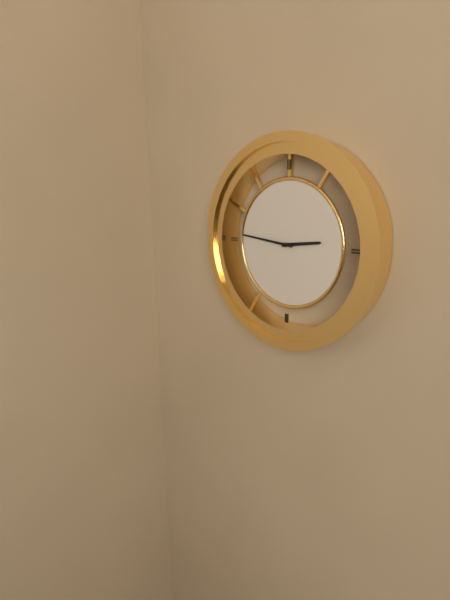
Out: **2:46**
